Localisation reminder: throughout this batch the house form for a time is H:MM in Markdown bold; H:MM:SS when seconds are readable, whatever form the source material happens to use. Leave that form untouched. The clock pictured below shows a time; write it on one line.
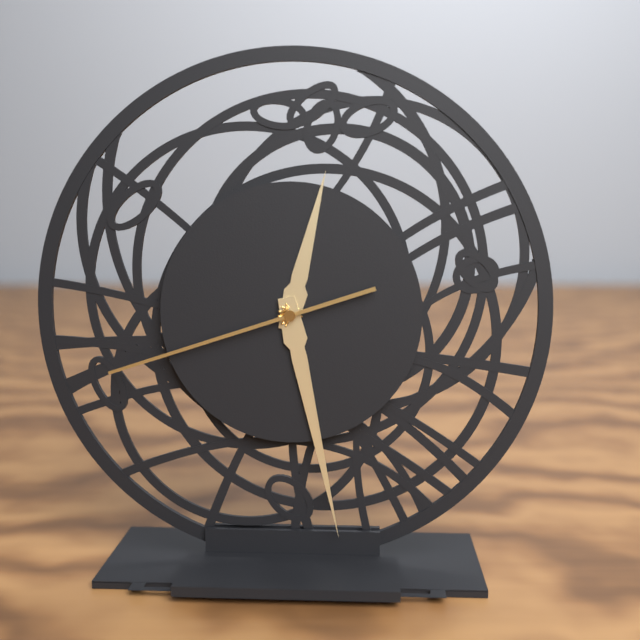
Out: **12:28:42**
